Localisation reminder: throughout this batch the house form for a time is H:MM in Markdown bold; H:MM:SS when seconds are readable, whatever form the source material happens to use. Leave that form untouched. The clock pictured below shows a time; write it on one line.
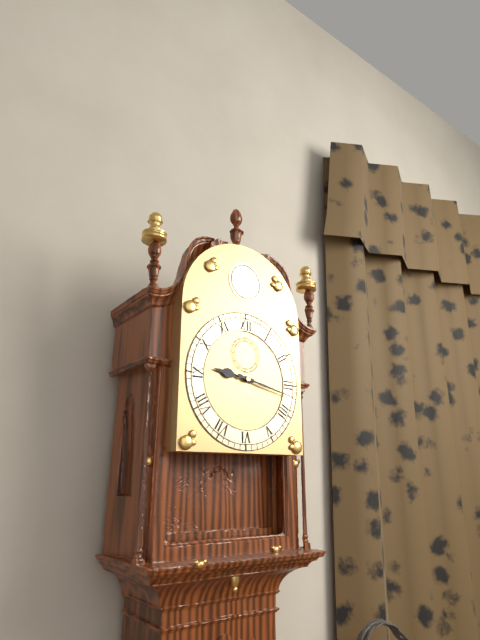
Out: **9:17**
